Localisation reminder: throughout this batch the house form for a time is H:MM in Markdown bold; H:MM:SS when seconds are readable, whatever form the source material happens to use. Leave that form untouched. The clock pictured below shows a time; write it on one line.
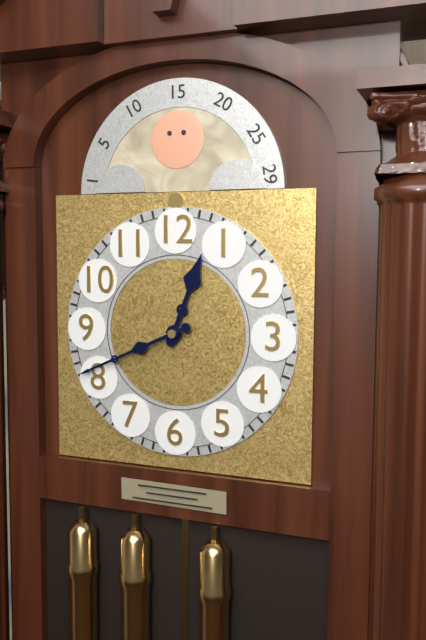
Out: **12:41**
